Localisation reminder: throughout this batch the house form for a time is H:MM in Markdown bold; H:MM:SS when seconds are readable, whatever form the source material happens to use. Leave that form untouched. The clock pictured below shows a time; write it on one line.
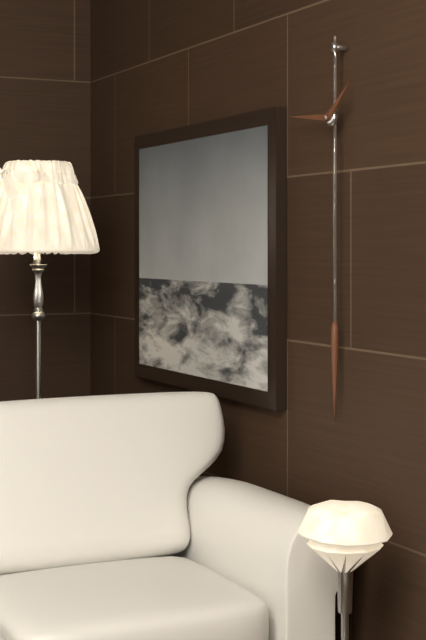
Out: **1:46**
